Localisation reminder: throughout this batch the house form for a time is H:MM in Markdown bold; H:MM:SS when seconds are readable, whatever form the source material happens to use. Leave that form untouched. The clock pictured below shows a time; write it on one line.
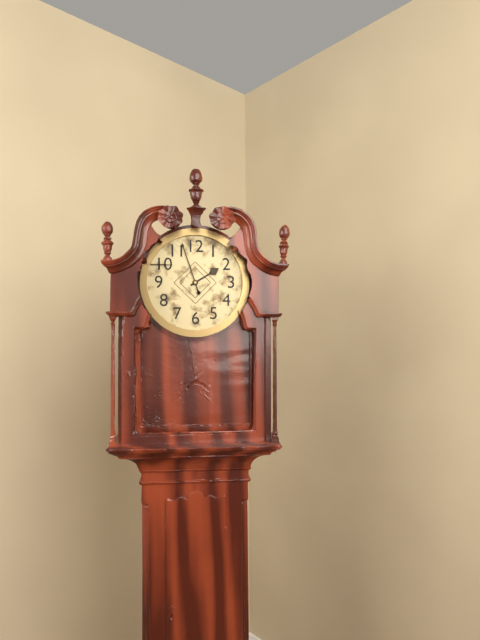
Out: **1:57**
